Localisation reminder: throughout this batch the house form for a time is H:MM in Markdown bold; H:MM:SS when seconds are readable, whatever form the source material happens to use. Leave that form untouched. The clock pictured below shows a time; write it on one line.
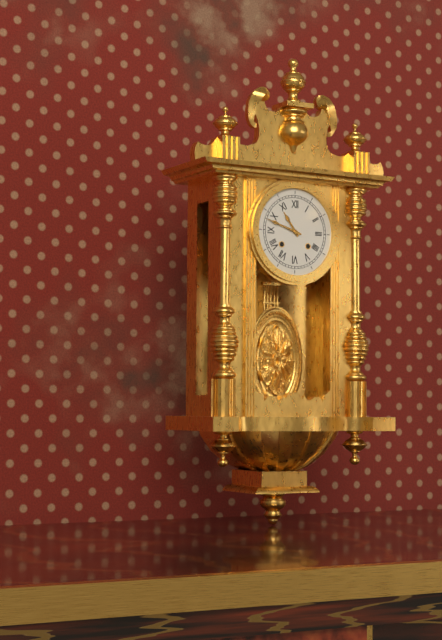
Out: **10:48**
